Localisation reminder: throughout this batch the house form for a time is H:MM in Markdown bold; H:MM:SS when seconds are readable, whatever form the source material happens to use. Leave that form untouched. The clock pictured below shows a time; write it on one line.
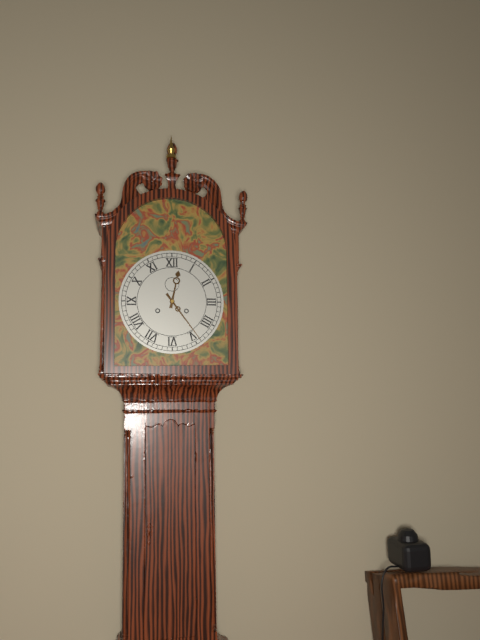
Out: **12:24**
